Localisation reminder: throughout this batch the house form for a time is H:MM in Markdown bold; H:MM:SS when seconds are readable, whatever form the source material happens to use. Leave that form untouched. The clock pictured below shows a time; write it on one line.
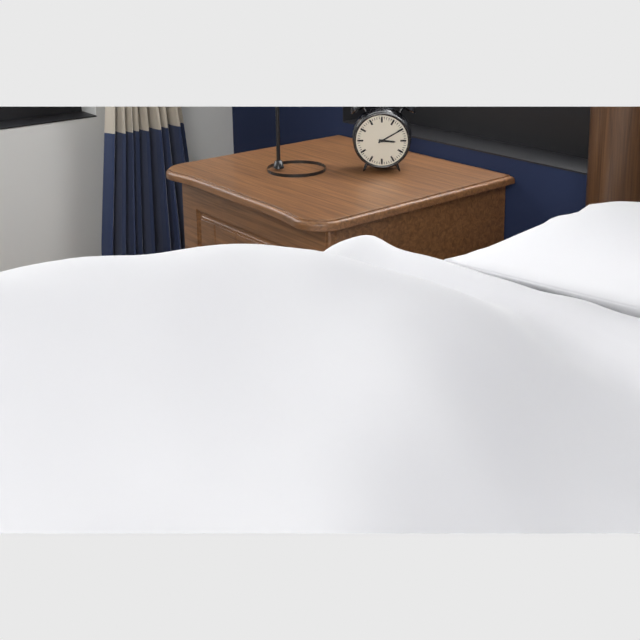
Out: **3:10**
